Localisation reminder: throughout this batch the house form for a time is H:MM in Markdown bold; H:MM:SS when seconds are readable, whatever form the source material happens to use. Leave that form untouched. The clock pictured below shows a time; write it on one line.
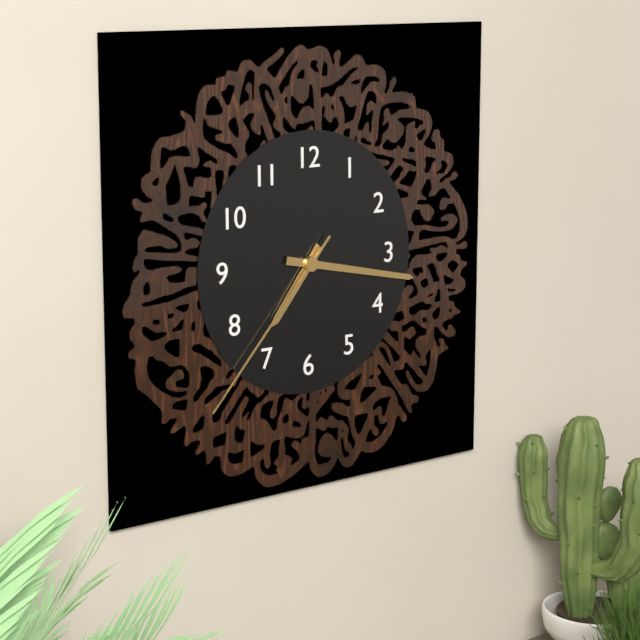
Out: **7:17:37**
